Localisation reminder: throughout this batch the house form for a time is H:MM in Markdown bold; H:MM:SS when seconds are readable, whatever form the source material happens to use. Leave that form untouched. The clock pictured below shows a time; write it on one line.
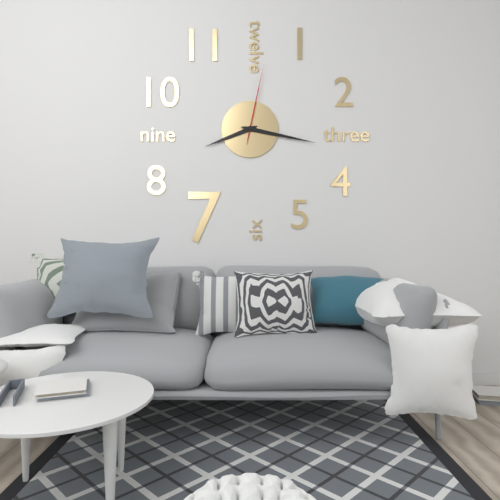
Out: **8:17:02**
